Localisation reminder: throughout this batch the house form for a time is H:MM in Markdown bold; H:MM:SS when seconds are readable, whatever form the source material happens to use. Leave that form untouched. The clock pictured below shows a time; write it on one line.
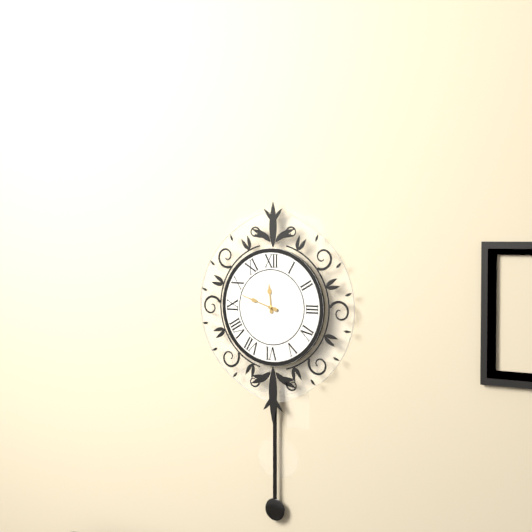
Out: **11:48**
